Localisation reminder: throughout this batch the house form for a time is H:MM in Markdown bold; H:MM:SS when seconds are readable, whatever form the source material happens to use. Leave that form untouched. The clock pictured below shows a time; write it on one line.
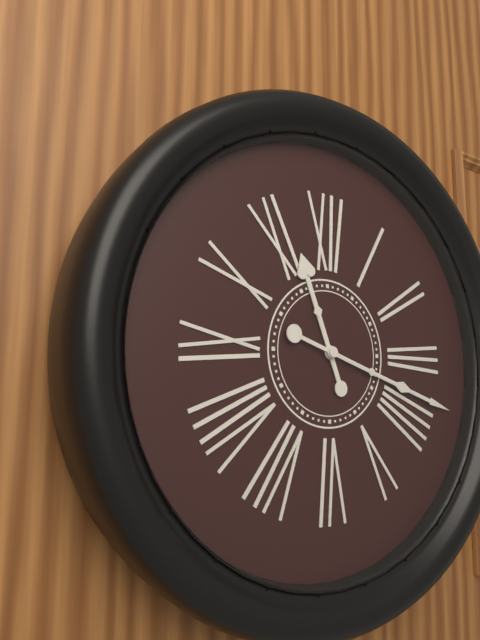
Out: **11:18**
